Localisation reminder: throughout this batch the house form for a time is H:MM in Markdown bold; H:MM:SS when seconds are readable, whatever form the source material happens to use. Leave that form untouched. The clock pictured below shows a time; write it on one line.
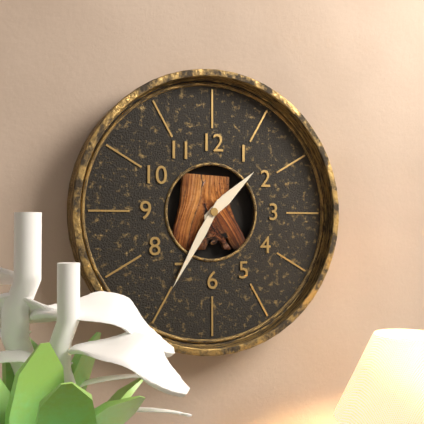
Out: **1:35**
